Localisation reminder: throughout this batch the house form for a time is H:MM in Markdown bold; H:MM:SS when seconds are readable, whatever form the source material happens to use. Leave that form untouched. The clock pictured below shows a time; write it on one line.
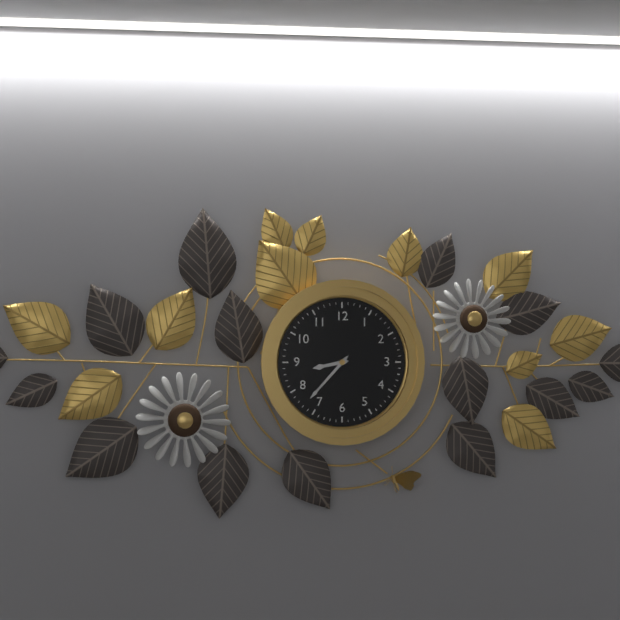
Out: **8:37**
